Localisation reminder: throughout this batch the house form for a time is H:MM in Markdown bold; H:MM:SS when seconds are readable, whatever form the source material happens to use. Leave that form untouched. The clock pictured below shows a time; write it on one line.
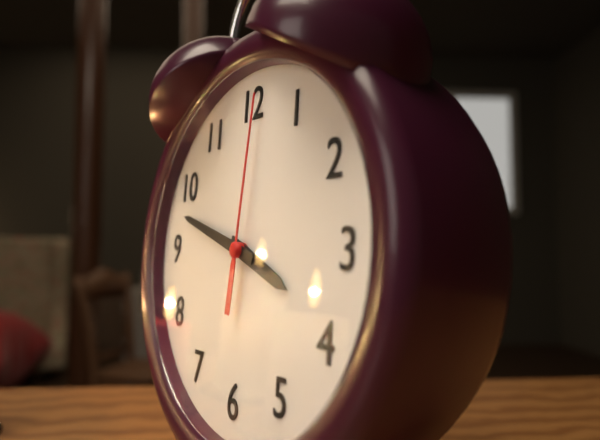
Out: **3:48:01**
